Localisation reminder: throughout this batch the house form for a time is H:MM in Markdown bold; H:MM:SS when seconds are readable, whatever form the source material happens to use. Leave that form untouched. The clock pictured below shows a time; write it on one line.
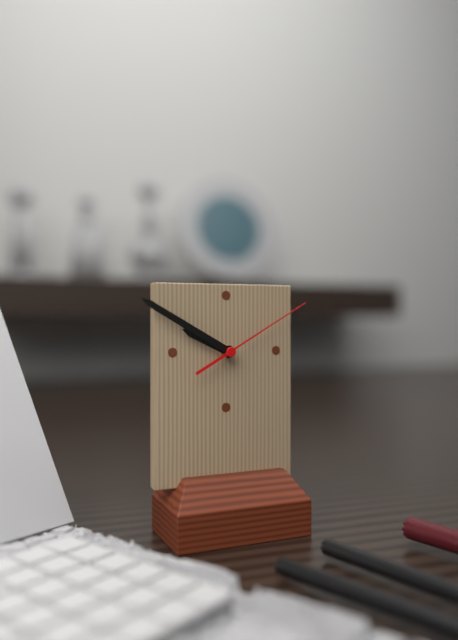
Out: **9:50:10**
